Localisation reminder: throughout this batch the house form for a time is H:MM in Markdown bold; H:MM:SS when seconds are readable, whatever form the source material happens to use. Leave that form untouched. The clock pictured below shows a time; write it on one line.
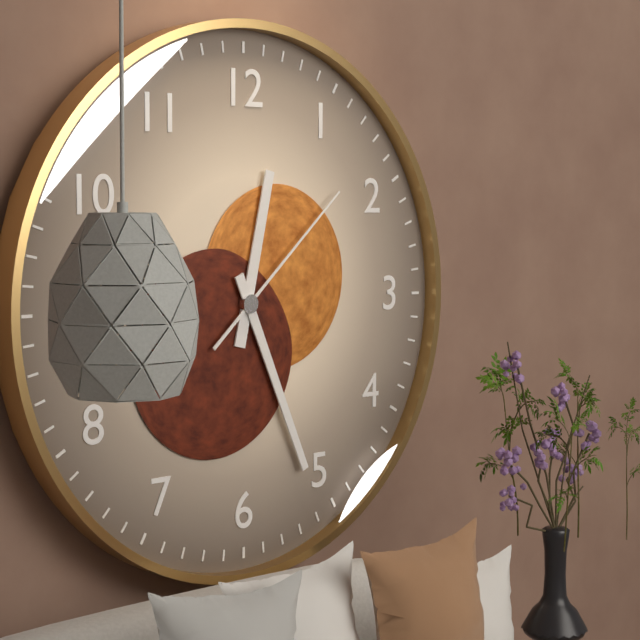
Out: **12:26:08**
